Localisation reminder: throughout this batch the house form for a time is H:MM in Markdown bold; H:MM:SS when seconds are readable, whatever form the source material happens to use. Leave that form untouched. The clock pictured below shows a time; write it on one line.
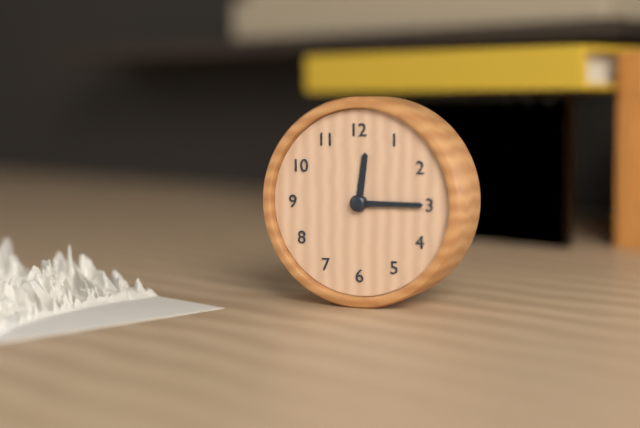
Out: **12:15**
